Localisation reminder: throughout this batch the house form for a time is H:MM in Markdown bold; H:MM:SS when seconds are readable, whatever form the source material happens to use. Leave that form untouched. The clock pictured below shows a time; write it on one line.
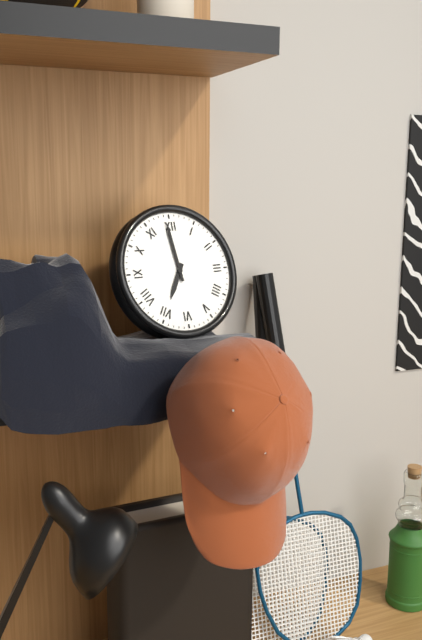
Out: **6:59**
